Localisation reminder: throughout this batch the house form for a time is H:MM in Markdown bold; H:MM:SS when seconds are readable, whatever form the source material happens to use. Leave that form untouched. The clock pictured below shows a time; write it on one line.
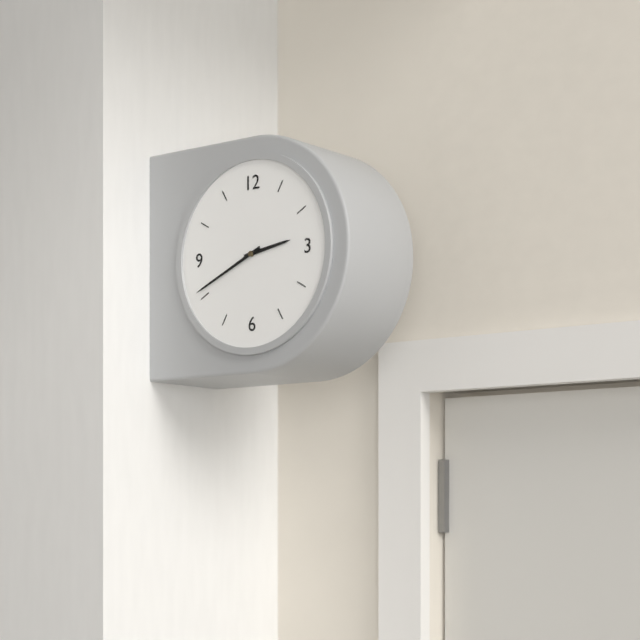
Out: **2:41**
